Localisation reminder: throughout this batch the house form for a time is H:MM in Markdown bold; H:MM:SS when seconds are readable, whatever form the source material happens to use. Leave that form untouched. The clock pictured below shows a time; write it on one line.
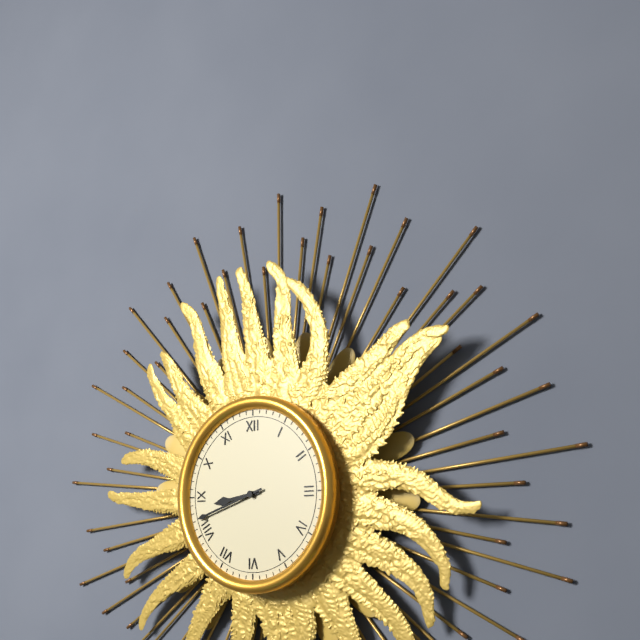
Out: **8:42**
